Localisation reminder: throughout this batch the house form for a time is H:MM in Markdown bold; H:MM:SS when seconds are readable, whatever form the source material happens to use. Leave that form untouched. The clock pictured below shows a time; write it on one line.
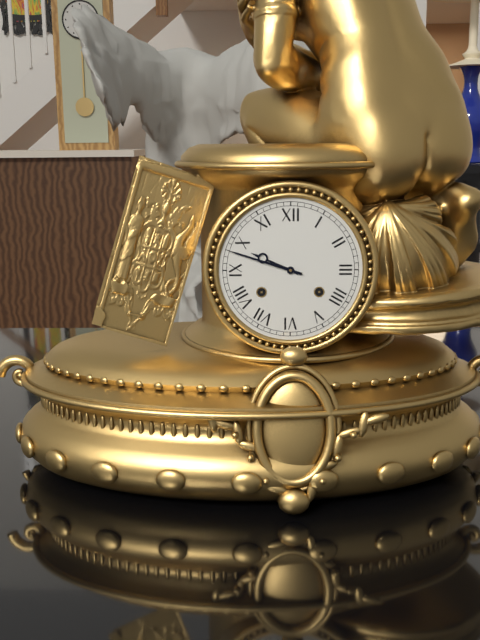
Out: **9:48**
